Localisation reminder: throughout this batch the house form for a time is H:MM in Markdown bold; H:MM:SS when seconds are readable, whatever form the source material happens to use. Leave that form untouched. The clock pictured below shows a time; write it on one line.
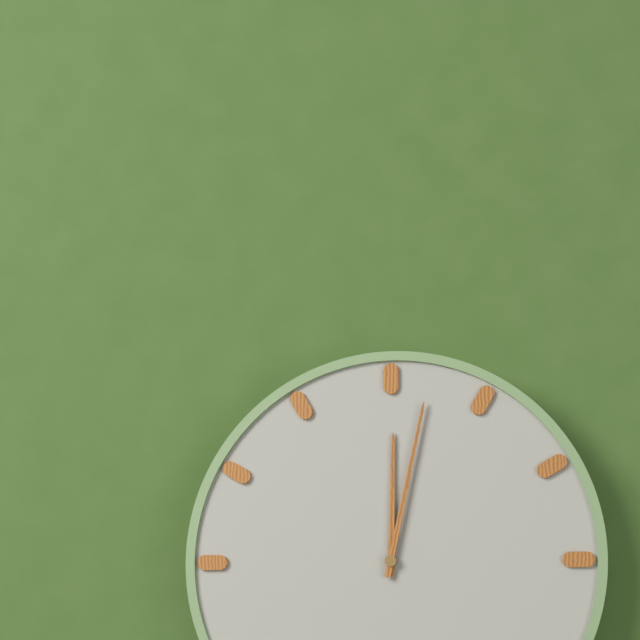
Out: **12:02**
